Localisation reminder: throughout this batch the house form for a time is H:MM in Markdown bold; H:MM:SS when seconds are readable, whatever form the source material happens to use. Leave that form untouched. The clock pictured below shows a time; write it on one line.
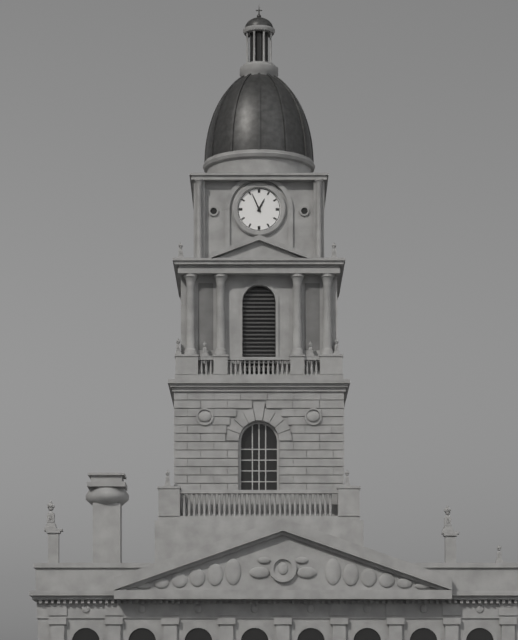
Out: **12:56**
